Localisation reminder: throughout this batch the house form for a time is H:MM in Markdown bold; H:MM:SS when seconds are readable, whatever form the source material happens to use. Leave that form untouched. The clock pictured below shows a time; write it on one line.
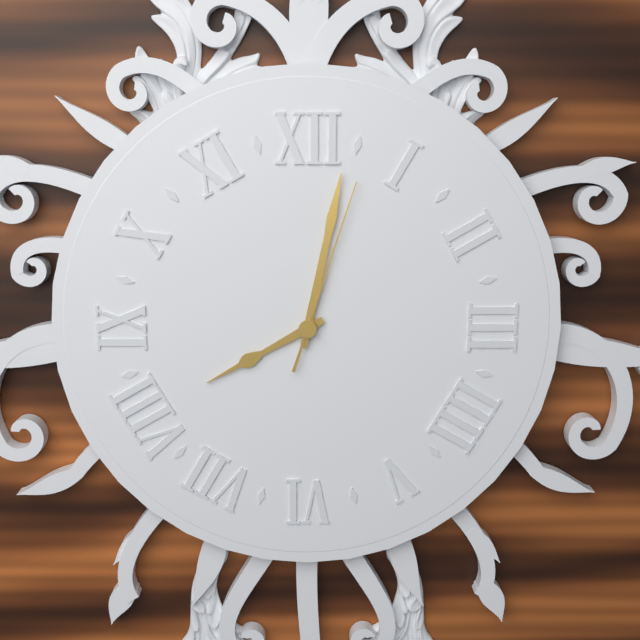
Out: **8:02:03**
